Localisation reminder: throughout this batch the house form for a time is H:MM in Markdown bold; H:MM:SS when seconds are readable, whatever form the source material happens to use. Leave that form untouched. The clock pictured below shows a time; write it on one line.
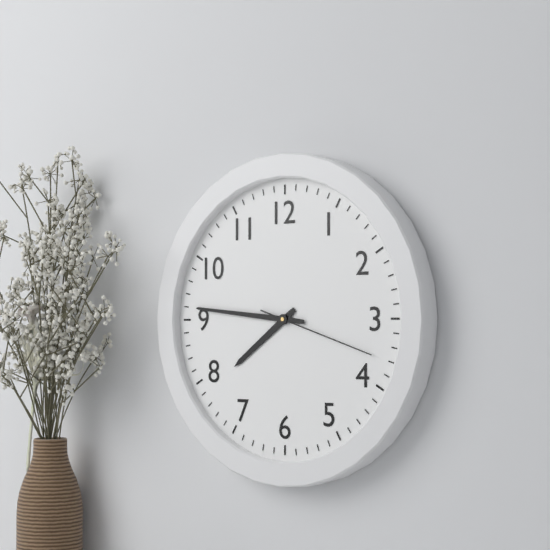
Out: **7:46:18**
